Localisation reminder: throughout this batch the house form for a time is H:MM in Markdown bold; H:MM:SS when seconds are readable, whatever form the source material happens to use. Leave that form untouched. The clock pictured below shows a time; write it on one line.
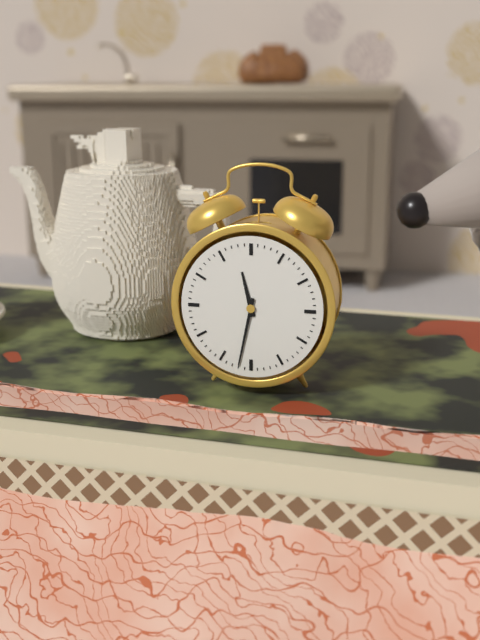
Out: **11:32**
